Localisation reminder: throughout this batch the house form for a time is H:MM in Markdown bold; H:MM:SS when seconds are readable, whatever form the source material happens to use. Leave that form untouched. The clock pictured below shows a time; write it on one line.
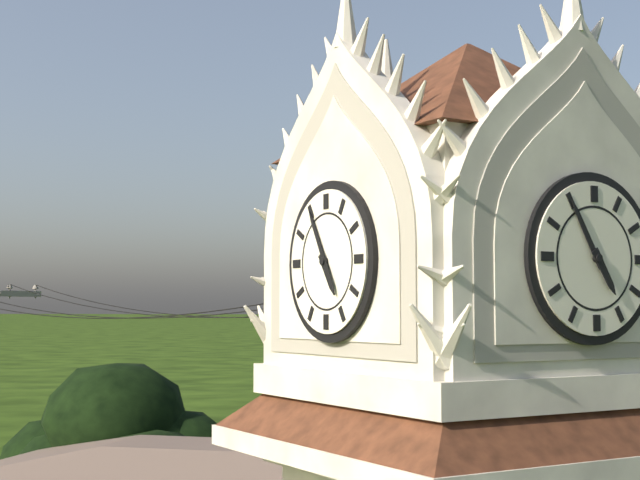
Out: **4:55**
